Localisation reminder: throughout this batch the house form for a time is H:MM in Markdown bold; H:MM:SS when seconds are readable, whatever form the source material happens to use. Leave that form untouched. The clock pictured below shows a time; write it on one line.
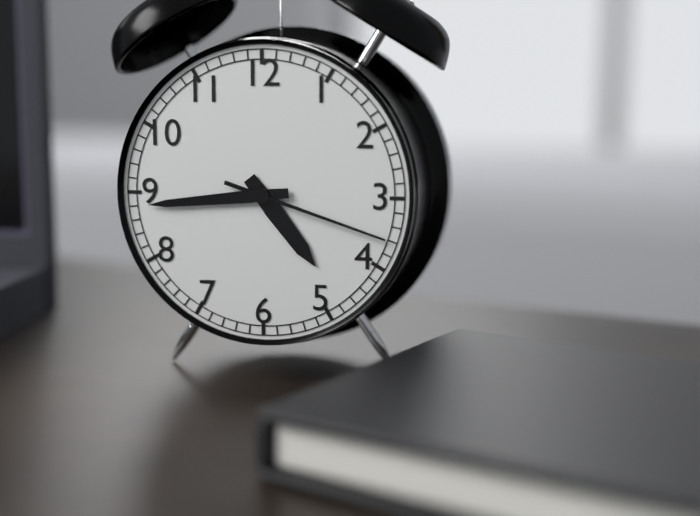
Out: **4:44:18**
